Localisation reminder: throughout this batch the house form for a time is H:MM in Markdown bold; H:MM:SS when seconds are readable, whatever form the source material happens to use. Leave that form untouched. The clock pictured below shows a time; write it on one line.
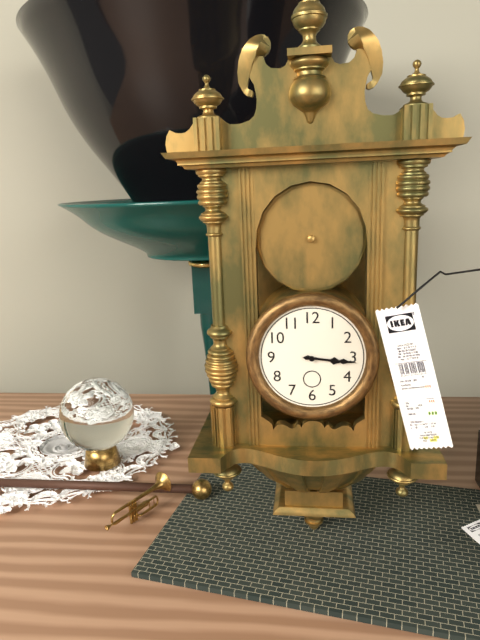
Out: **3:16**
